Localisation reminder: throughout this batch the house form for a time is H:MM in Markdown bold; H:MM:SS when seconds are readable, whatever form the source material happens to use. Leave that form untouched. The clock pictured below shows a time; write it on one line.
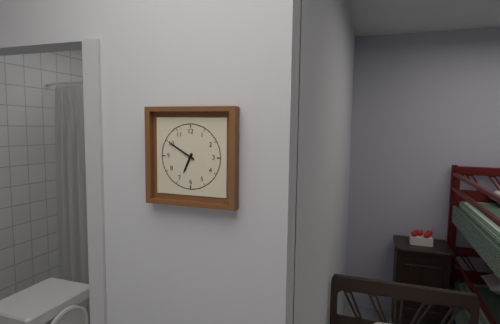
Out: **6:50**
